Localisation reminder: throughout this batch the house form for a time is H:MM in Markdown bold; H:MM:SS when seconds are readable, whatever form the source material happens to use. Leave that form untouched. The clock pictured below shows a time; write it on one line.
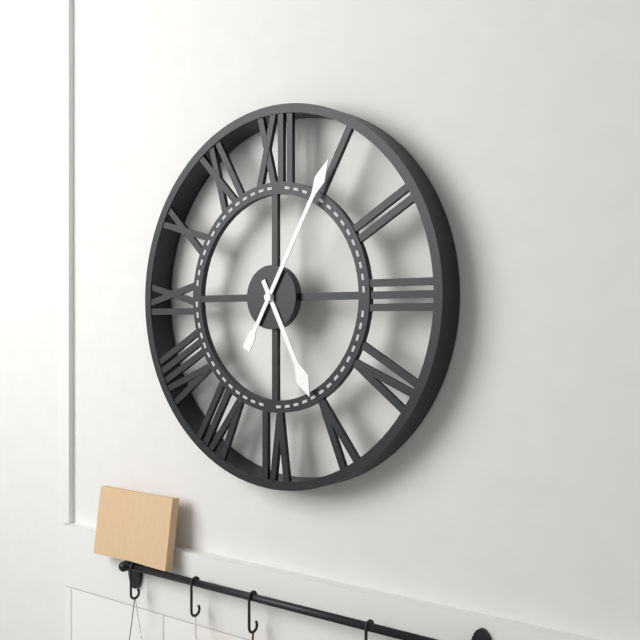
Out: **5:05**
